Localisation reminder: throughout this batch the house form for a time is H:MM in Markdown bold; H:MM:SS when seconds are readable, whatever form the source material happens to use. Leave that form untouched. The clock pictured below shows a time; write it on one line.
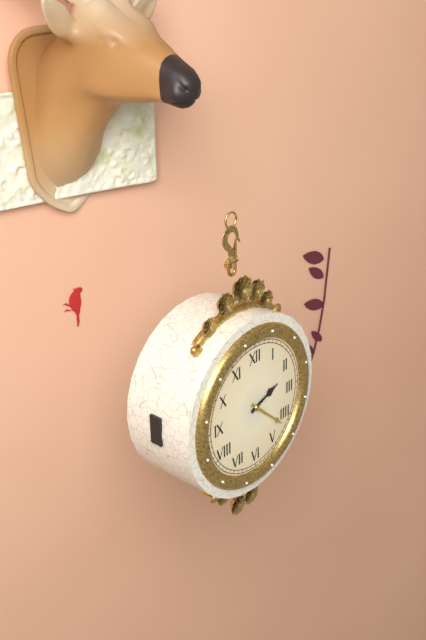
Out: **2:22**
